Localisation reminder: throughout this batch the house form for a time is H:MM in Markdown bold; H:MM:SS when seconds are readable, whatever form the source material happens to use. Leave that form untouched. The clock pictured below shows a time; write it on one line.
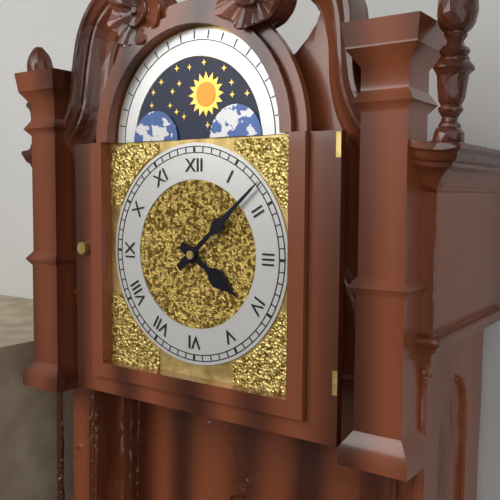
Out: **4:08**
